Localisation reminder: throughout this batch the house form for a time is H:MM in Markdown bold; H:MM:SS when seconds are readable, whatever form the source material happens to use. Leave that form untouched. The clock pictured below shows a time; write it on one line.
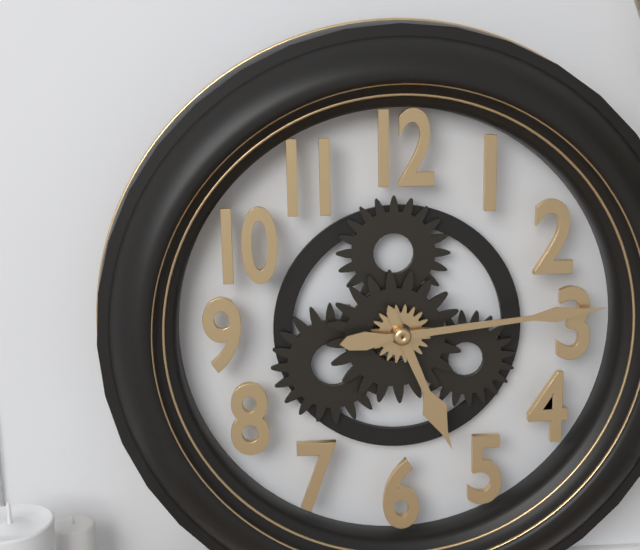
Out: **5:14**
